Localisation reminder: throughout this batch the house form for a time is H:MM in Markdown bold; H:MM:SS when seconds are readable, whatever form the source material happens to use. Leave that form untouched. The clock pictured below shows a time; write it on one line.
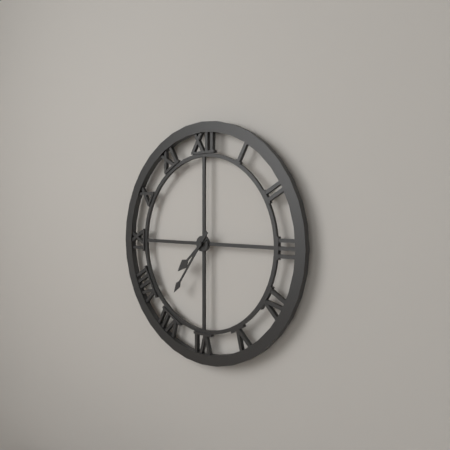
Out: **7:36**
